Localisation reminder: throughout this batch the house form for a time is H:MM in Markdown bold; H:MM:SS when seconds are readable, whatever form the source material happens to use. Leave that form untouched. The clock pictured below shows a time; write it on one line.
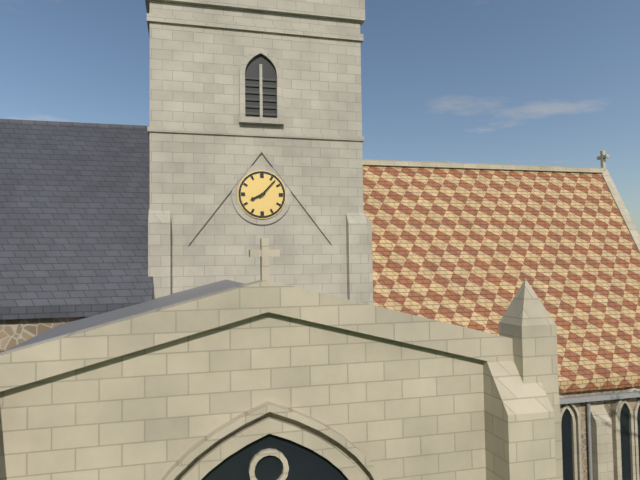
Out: **8:07**
